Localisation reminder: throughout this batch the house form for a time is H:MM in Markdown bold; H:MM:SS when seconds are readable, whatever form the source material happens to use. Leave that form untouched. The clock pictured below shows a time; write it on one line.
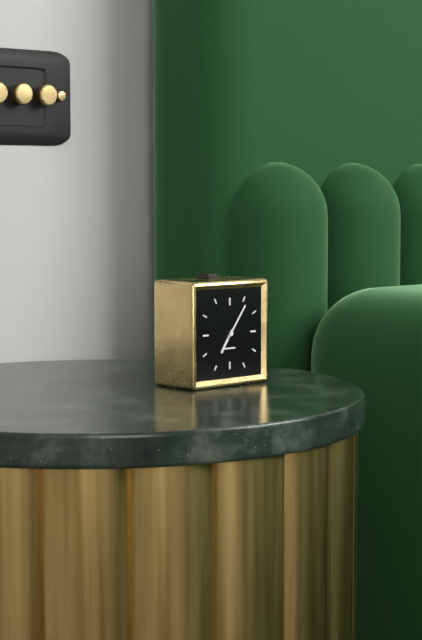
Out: **7:06**
